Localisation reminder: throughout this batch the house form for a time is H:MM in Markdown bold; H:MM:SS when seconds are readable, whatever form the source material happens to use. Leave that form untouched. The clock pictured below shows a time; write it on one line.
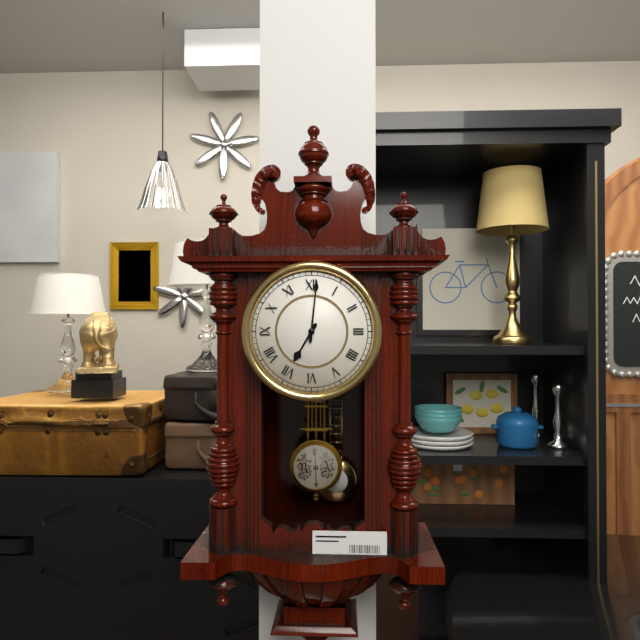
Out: **7:01**
